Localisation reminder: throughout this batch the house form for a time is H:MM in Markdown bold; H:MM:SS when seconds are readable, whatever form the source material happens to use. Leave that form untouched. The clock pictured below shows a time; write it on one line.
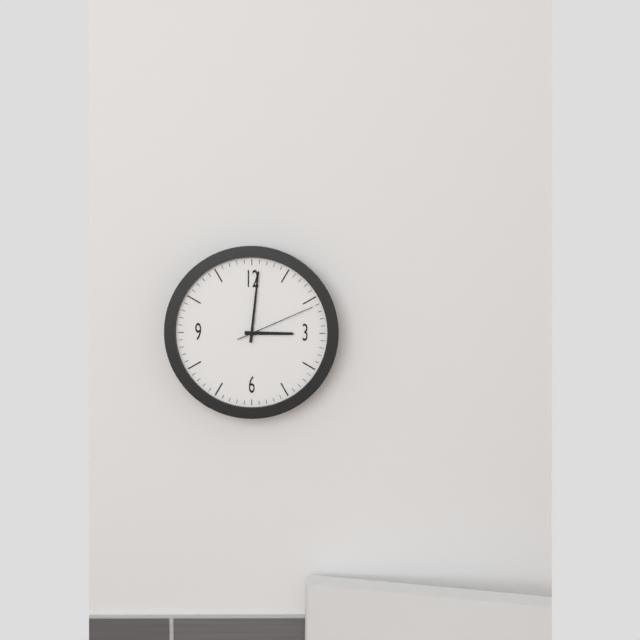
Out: **3:01:11**
